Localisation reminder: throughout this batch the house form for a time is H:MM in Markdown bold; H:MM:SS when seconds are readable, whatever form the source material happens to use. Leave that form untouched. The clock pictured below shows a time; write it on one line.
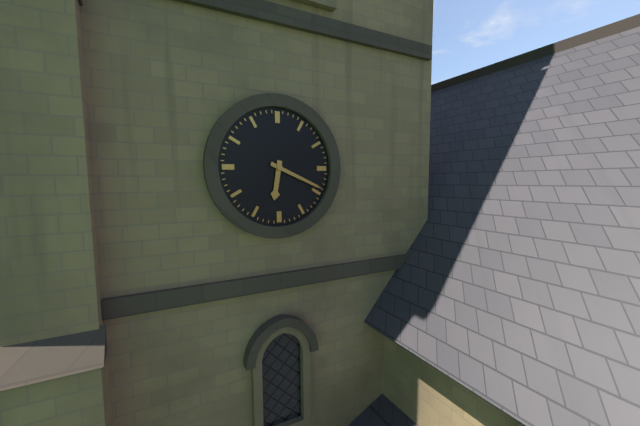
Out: **6:19**
